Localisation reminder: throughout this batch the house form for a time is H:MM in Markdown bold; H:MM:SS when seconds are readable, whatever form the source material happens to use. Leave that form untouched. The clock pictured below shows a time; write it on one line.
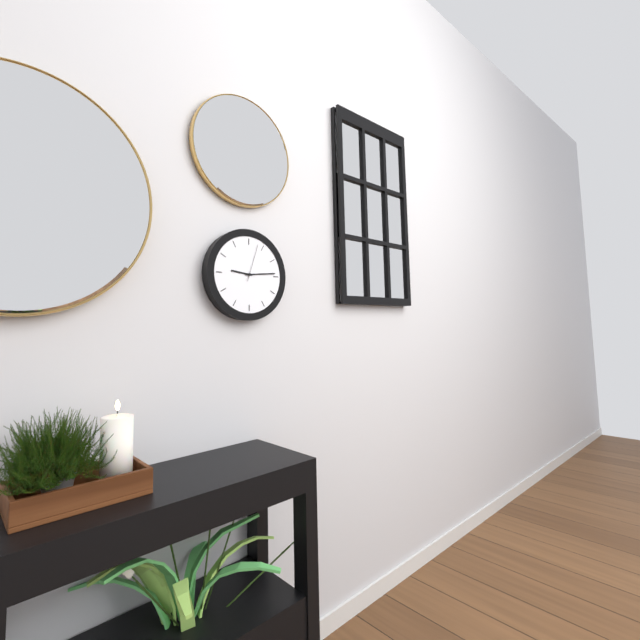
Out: **9:14**
